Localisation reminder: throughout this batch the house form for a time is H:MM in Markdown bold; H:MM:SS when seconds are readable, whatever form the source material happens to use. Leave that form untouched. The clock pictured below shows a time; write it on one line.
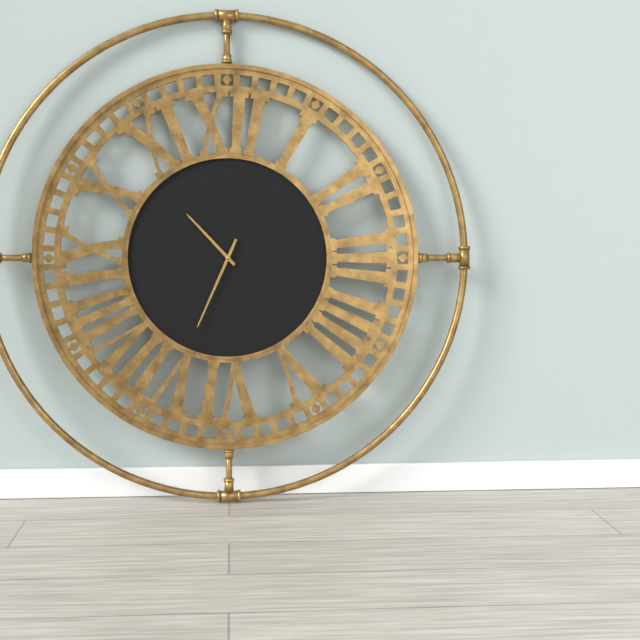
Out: **10:34**
